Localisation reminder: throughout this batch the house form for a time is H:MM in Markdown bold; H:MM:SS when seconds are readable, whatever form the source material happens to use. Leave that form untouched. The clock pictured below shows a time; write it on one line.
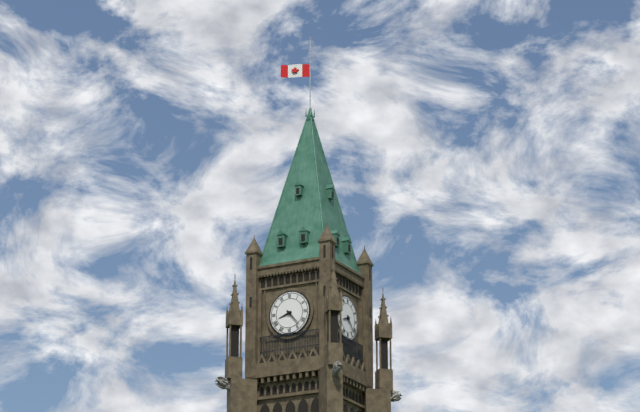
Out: **8:23**
